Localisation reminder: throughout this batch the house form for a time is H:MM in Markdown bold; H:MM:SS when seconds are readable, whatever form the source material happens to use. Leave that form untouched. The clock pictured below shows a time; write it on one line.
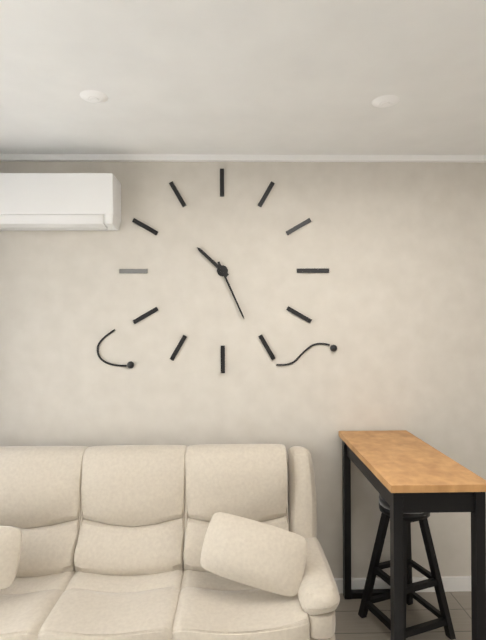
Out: **10:26**
